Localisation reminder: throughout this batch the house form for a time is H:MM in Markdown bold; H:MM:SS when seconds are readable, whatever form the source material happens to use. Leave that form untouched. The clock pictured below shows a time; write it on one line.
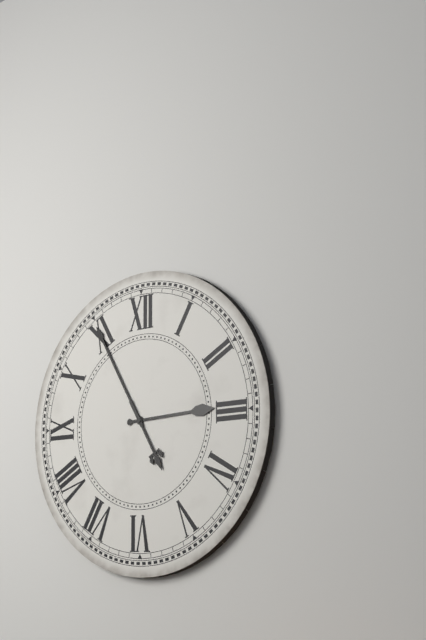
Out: **2:55**
